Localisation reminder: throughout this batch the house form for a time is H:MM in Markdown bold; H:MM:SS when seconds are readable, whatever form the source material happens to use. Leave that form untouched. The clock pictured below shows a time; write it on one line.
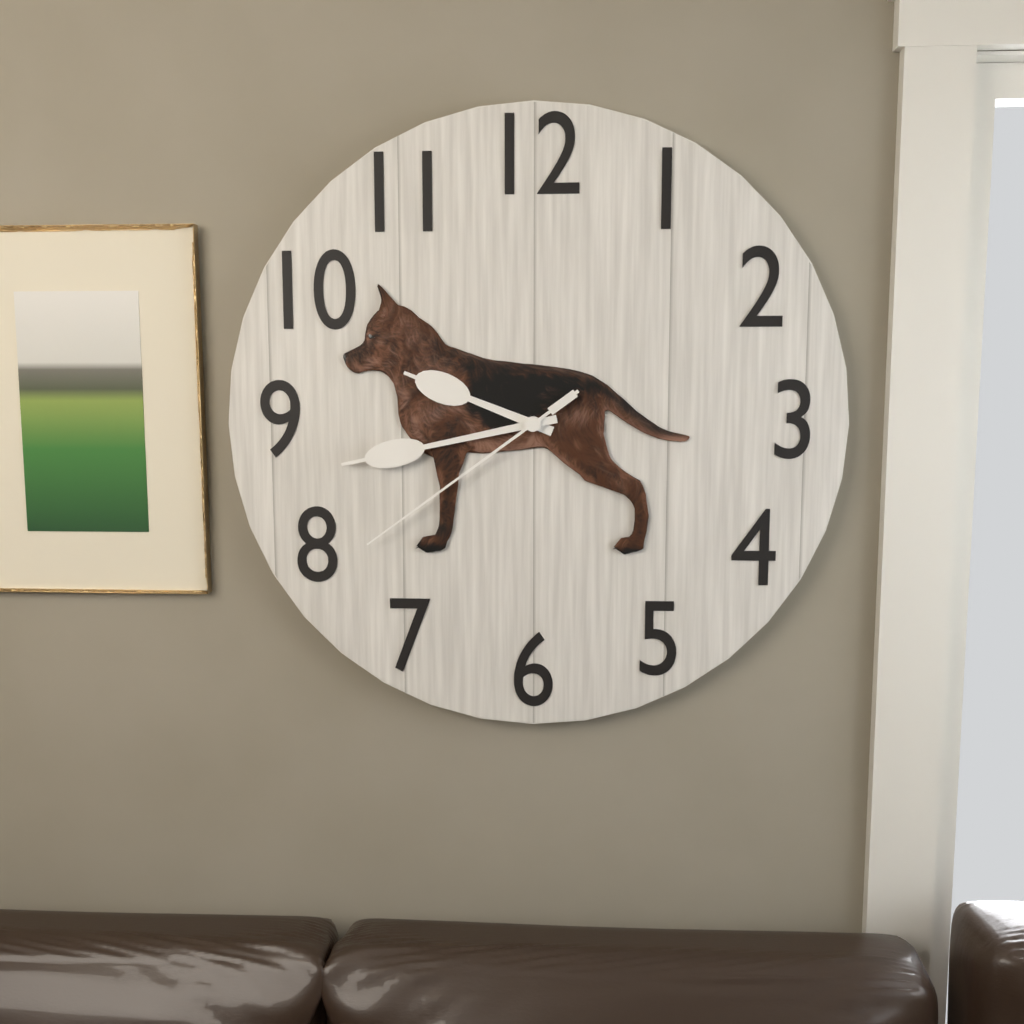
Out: **9:43:39**
